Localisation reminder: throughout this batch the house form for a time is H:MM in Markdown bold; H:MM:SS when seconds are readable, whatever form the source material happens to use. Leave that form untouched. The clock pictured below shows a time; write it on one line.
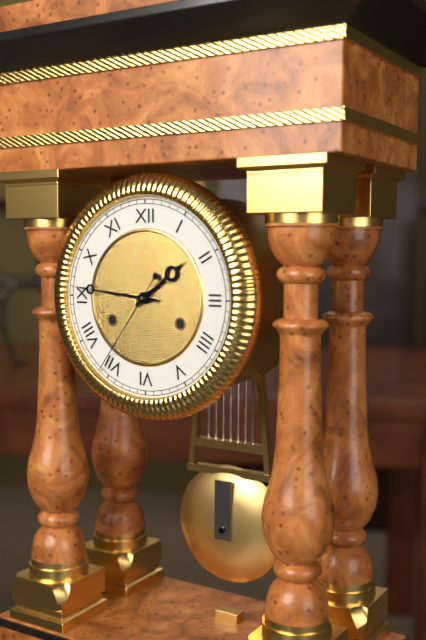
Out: **1:46:36**
